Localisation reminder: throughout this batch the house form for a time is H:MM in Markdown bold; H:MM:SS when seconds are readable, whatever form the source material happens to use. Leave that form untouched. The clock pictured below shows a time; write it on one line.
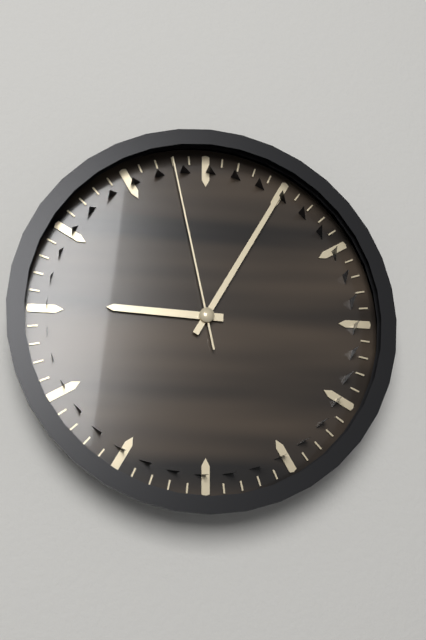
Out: **9:05:58**
